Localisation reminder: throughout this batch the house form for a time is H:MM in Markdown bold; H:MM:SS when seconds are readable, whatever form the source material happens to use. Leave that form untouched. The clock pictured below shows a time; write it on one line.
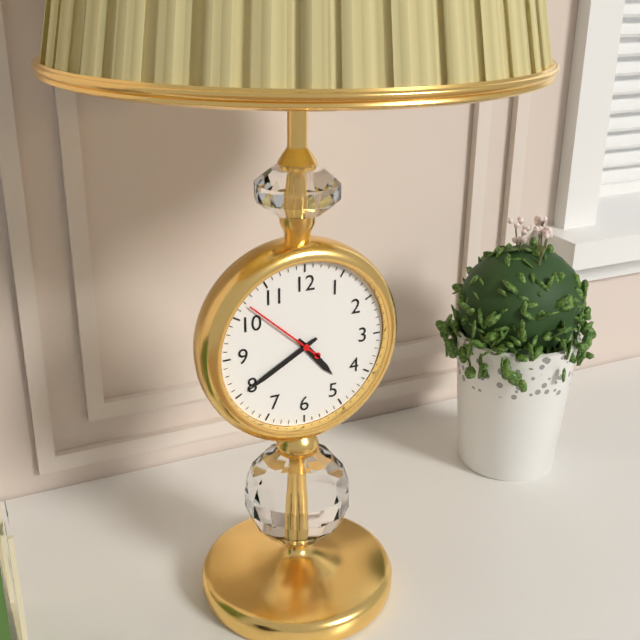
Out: **4:40:52**
